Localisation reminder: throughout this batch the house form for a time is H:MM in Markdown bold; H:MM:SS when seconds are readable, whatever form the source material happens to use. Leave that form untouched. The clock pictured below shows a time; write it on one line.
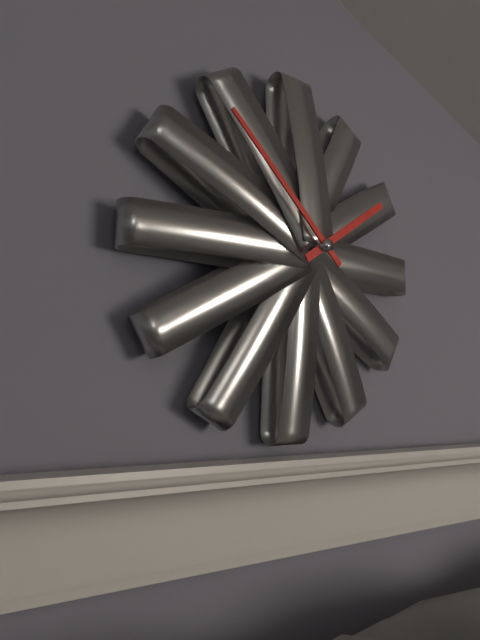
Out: **1:52**
